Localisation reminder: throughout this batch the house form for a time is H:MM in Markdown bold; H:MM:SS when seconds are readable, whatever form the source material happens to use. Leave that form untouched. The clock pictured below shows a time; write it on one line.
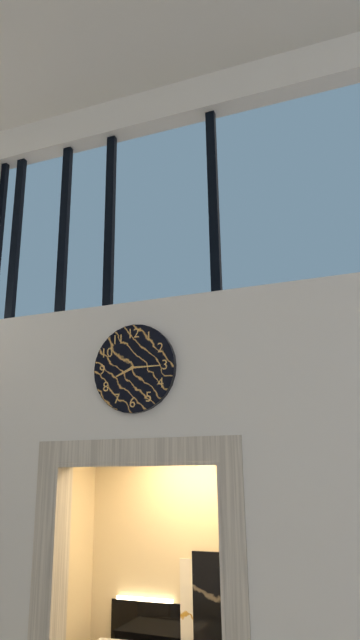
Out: **8:15**
